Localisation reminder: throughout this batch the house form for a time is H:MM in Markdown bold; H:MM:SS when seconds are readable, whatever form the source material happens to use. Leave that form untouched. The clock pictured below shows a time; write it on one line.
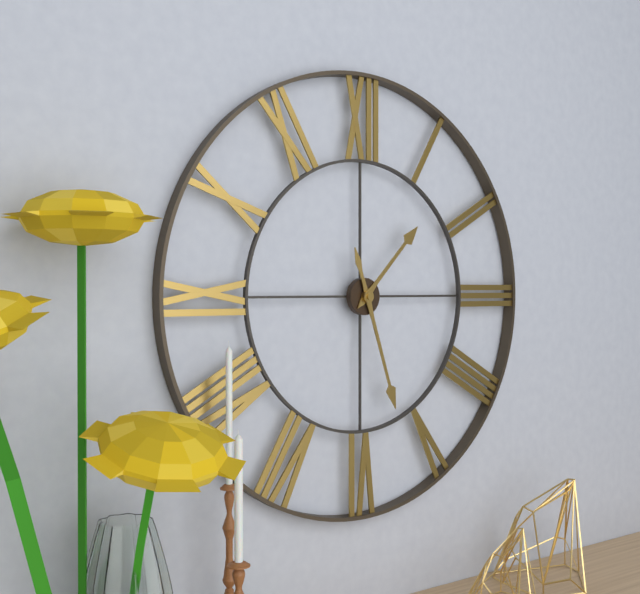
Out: **1:27**
